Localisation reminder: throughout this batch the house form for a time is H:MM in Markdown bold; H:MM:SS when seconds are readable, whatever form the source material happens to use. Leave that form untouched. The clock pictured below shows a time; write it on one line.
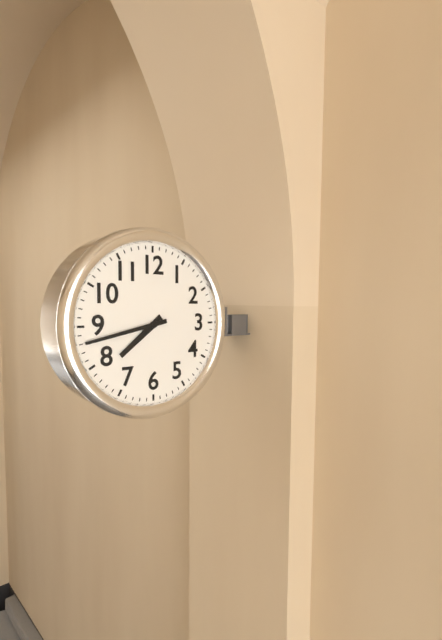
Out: **7:43**
